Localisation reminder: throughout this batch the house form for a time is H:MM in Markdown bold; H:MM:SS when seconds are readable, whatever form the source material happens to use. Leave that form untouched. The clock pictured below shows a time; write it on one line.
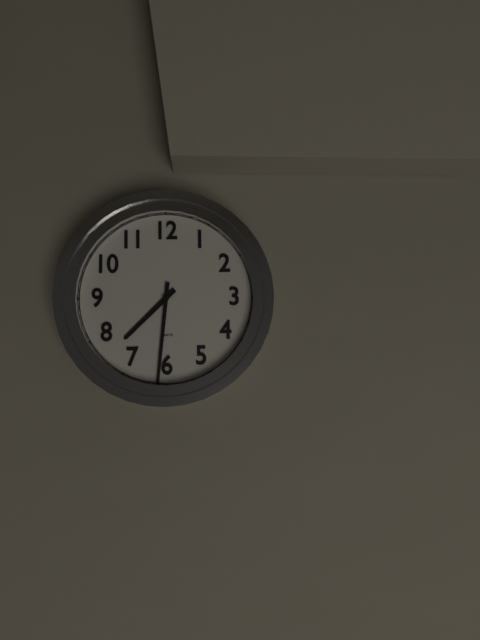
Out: **7:31**
